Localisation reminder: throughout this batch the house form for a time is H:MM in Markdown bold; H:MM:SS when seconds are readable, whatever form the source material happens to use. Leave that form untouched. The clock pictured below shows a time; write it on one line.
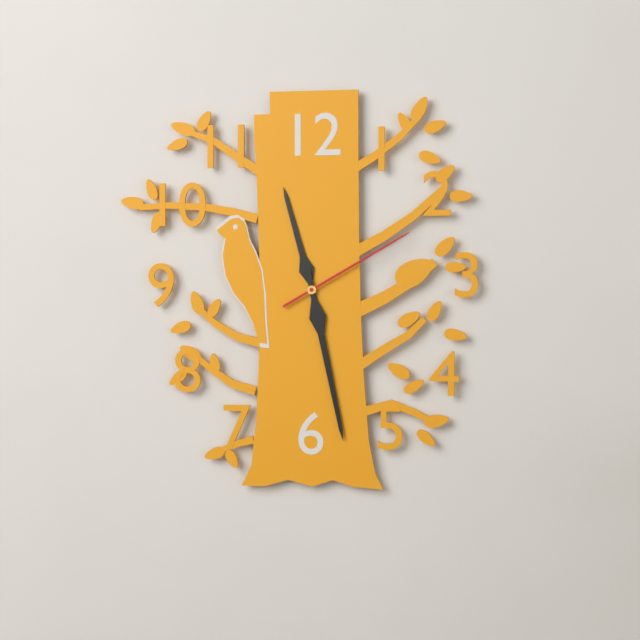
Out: **11:28:10**
